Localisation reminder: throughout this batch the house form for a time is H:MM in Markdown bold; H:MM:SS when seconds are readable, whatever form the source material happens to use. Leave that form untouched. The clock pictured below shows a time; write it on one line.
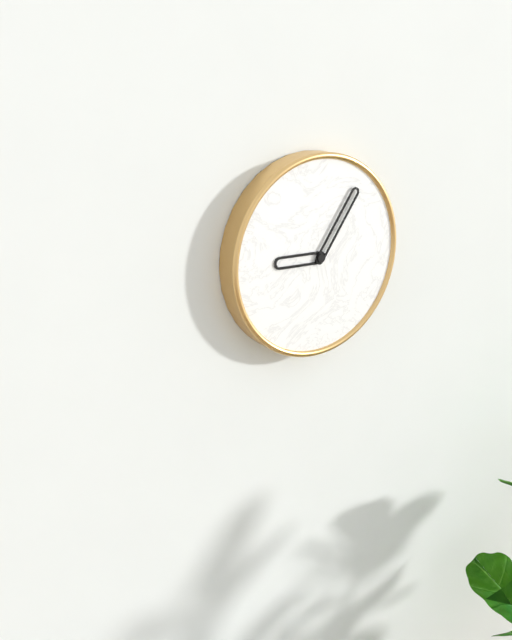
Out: **9:06**
